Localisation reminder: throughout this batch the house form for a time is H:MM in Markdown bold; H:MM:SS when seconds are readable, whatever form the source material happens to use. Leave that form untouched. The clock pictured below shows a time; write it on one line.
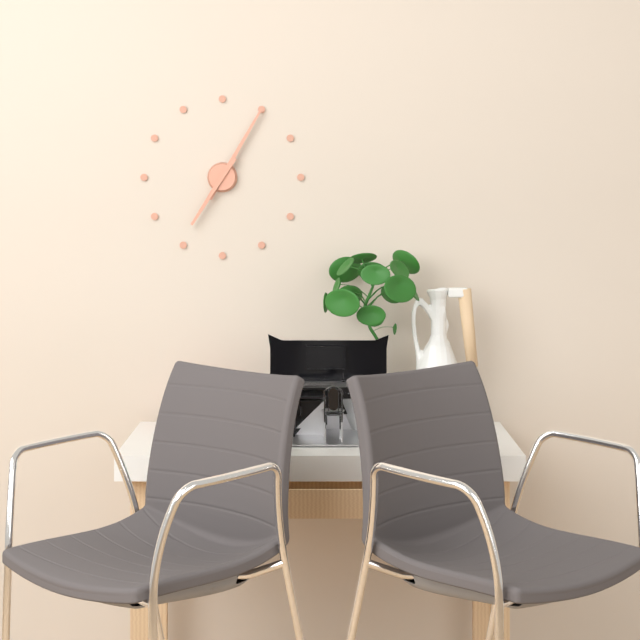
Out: **7:05**
